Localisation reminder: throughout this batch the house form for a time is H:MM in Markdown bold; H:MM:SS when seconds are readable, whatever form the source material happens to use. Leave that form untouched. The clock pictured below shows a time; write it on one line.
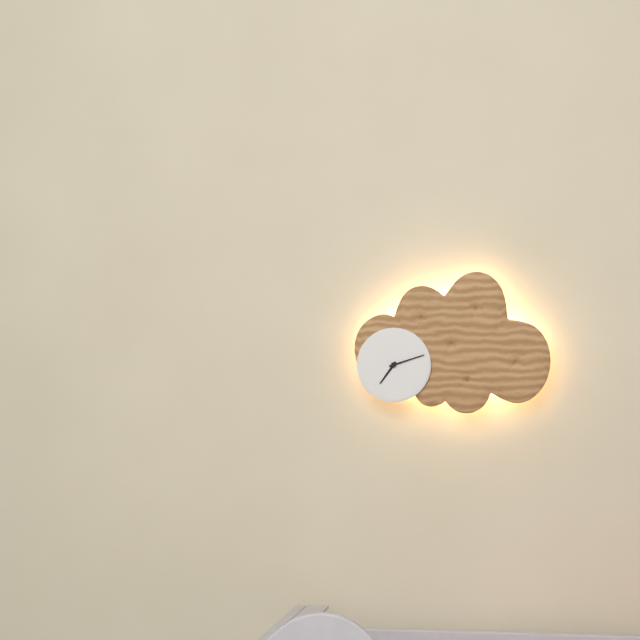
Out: **7:12**
